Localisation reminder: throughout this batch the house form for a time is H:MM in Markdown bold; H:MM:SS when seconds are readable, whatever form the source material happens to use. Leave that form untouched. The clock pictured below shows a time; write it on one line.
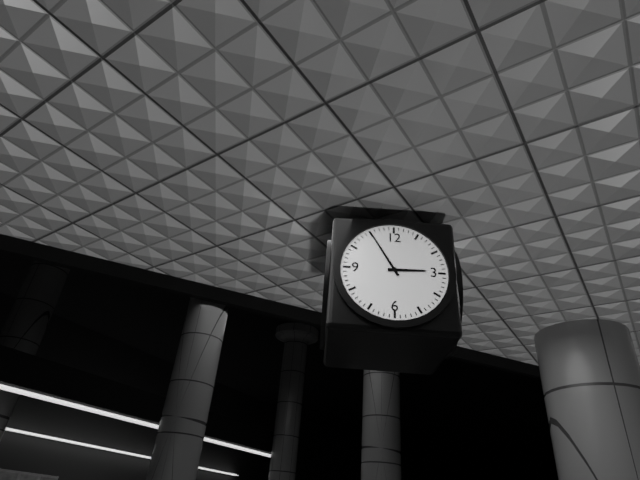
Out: **2:55**
